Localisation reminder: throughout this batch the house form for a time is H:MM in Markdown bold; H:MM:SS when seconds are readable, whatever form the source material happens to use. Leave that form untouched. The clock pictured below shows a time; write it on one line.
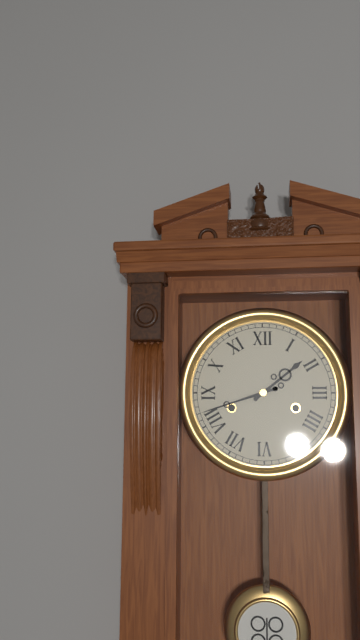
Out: **1:42**
